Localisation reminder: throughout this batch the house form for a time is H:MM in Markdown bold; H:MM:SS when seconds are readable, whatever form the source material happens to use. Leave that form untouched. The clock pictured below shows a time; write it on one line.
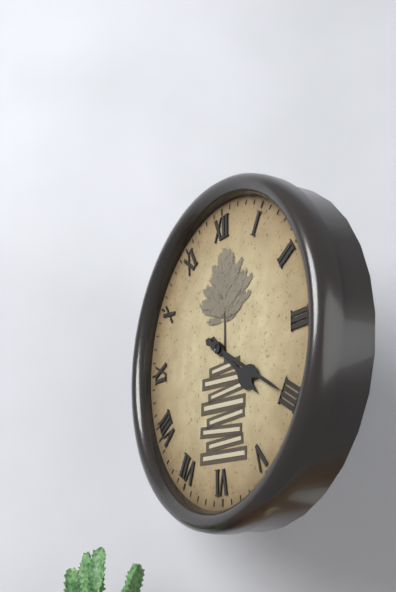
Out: **4:20**
